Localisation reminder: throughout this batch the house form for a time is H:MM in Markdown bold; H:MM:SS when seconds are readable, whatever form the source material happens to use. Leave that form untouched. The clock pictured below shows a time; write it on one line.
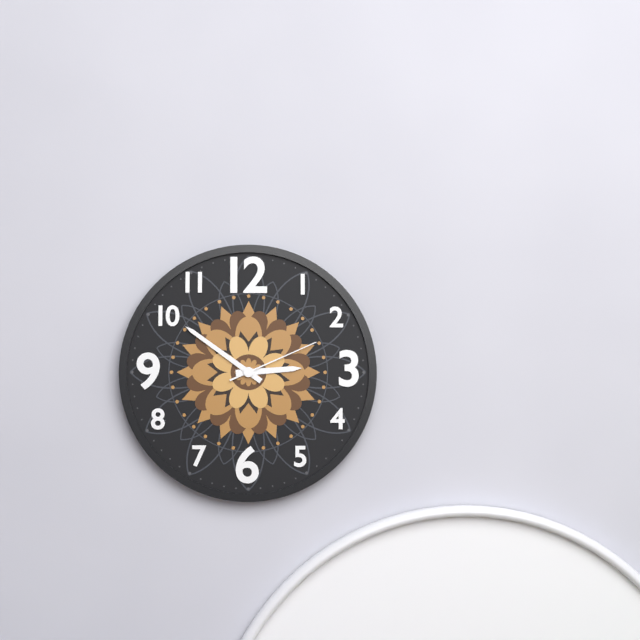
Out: **2:51:11**
